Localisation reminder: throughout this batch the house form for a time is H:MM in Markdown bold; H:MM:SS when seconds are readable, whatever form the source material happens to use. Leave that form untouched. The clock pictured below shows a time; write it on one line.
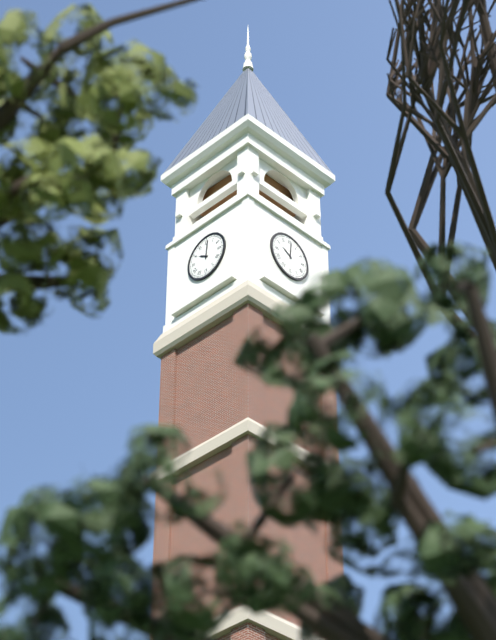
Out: **10:01**
